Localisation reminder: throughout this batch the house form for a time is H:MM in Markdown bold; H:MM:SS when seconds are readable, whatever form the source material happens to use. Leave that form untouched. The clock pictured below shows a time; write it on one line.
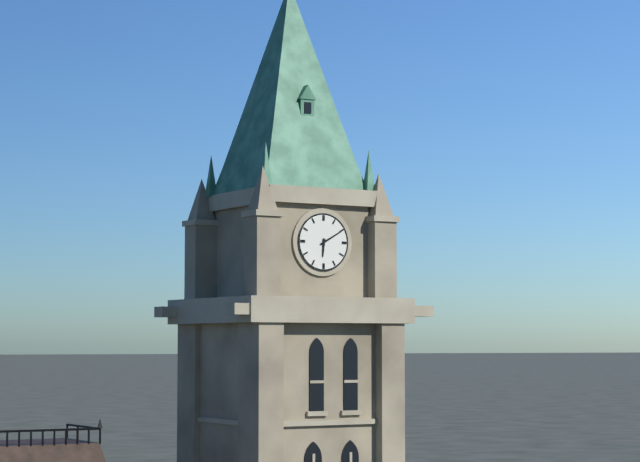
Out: **6:10**
